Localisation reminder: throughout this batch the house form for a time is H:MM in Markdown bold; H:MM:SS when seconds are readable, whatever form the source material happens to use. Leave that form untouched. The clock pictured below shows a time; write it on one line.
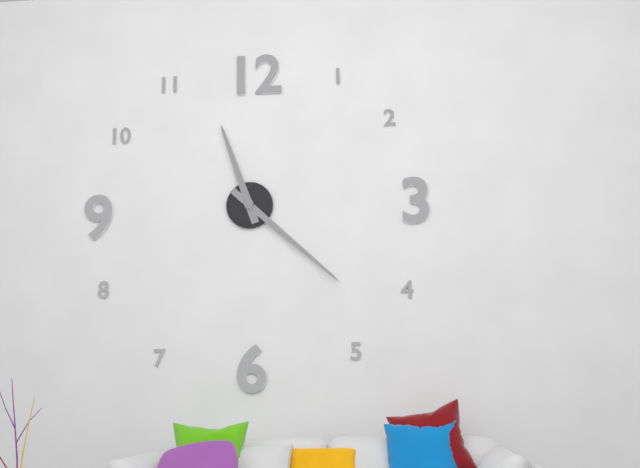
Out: **11:22**
